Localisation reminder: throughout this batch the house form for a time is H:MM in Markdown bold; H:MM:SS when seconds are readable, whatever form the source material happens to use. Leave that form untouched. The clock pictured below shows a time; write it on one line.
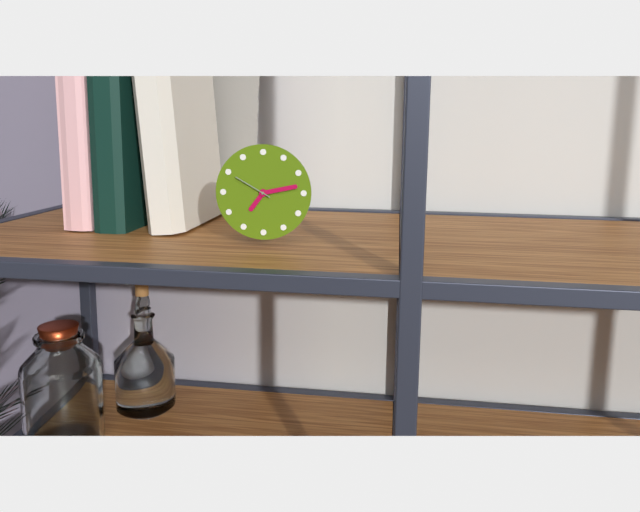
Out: **7:13**
